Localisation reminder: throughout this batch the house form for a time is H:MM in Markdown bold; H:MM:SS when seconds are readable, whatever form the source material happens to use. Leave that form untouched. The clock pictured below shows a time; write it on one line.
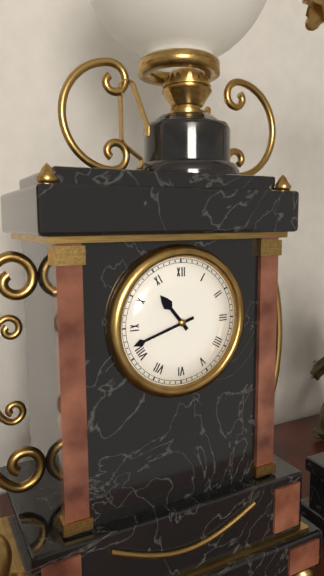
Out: **10:42**
